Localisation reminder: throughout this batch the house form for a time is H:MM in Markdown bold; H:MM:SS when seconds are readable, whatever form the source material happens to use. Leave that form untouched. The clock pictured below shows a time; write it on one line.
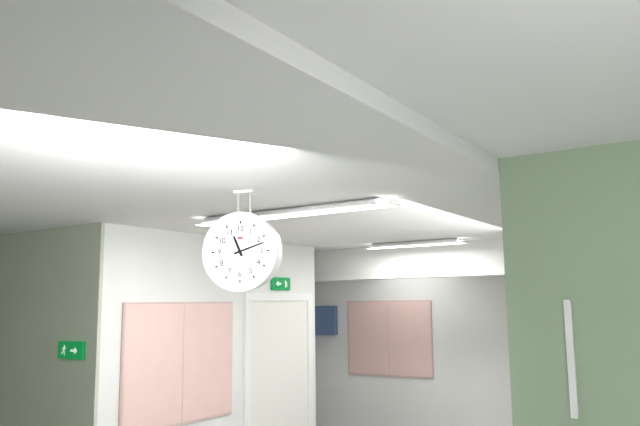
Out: **11:12**
